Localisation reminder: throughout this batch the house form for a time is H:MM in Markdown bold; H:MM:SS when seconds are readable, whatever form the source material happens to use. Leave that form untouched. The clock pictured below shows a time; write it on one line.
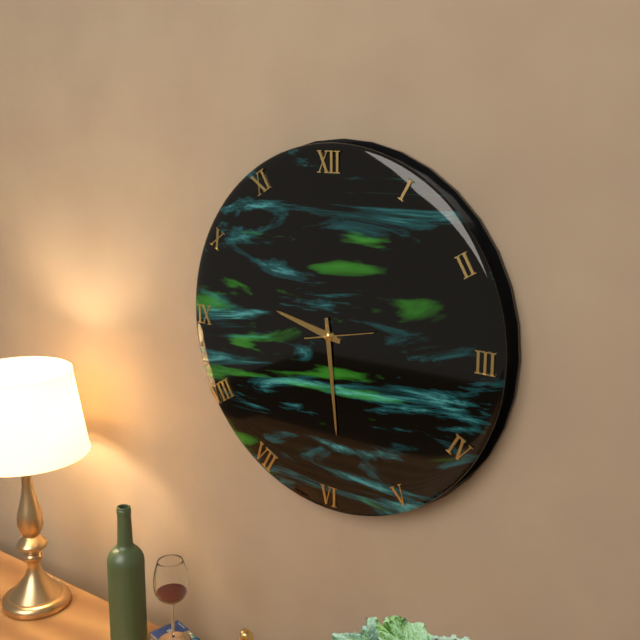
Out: **9:29:13**
